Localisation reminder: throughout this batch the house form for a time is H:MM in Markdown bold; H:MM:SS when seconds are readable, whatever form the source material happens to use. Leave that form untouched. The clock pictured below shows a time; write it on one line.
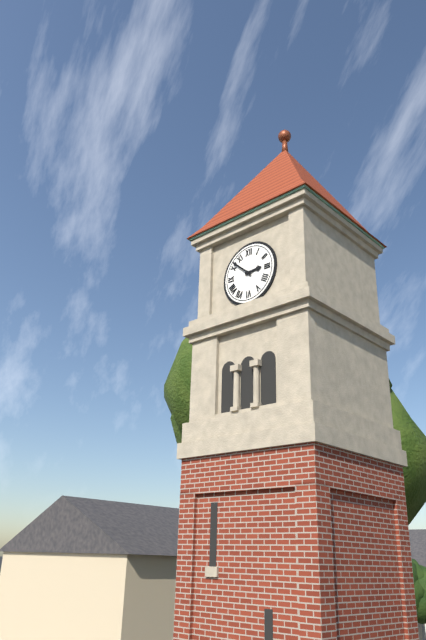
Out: **2:52**
